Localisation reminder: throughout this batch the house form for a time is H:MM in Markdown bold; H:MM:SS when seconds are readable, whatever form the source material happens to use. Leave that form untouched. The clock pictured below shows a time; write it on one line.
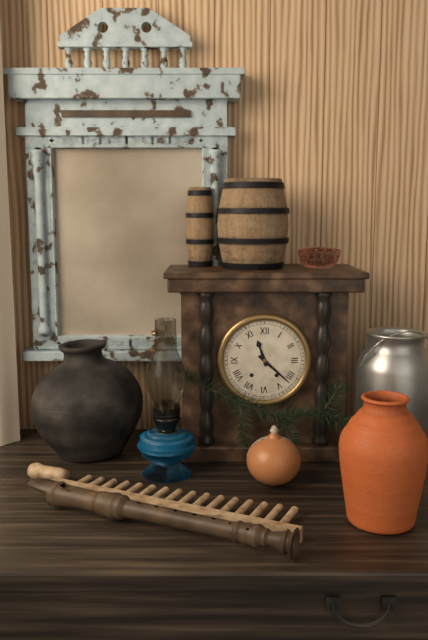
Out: **11:22**
